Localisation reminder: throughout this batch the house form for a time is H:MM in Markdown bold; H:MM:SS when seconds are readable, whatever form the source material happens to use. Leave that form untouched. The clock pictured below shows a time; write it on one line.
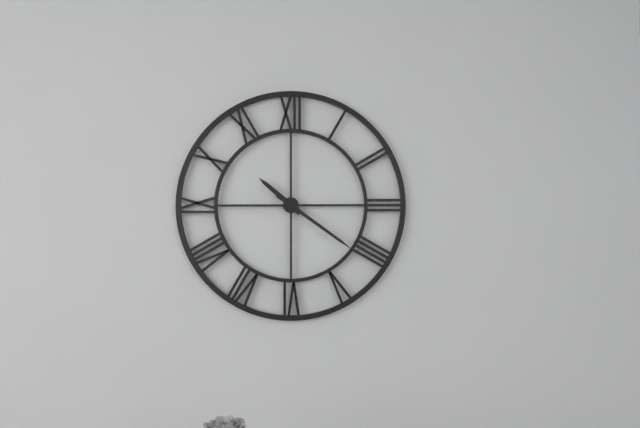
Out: **10:21**
